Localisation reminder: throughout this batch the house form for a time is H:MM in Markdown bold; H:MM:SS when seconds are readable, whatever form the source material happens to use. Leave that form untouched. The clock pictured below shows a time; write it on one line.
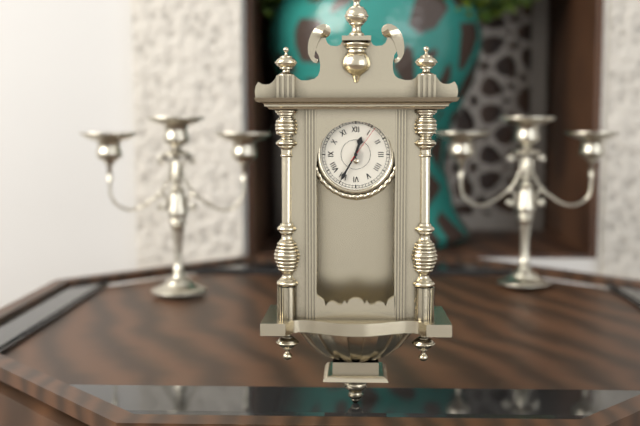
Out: **12:35**
